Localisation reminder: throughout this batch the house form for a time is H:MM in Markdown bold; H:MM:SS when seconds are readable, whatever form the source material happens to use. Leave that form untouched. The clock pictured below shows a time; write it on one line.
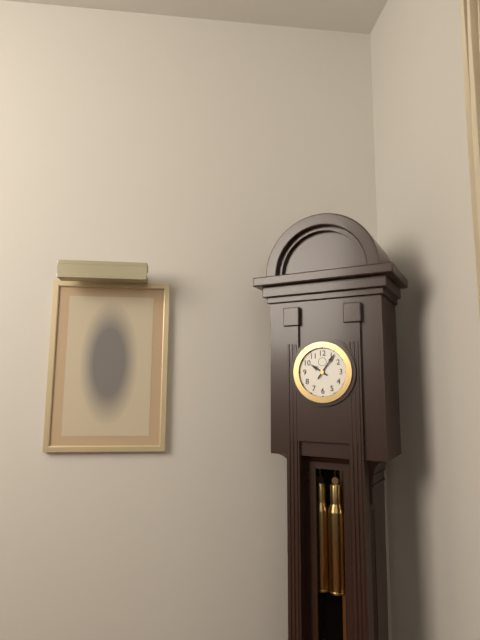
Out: **10:06**
